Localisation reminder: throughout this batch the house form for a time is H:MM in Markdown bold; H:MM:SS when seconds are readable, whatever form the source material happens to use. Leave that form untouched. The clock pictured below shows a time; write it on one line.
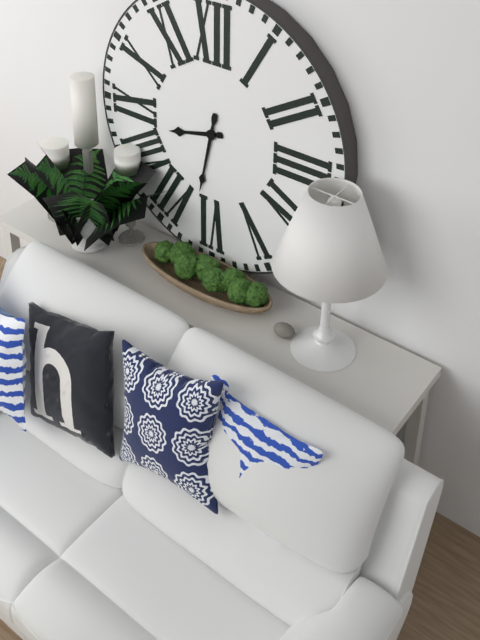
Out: **8:32**
